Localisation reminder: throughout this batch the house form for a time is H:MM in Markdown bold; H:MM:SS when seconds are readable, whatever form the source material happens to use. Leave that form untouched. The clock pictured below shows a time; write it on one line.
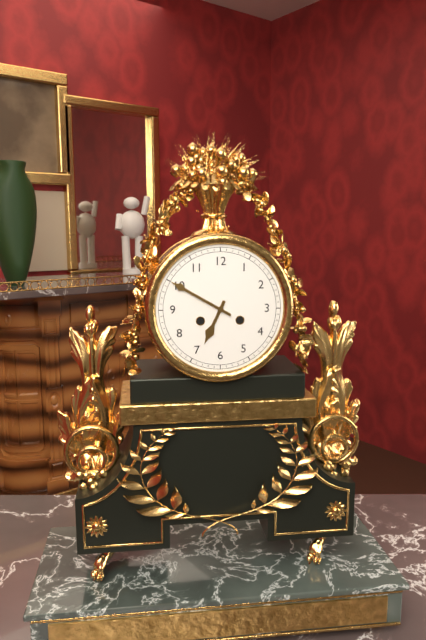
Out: **6:50**
